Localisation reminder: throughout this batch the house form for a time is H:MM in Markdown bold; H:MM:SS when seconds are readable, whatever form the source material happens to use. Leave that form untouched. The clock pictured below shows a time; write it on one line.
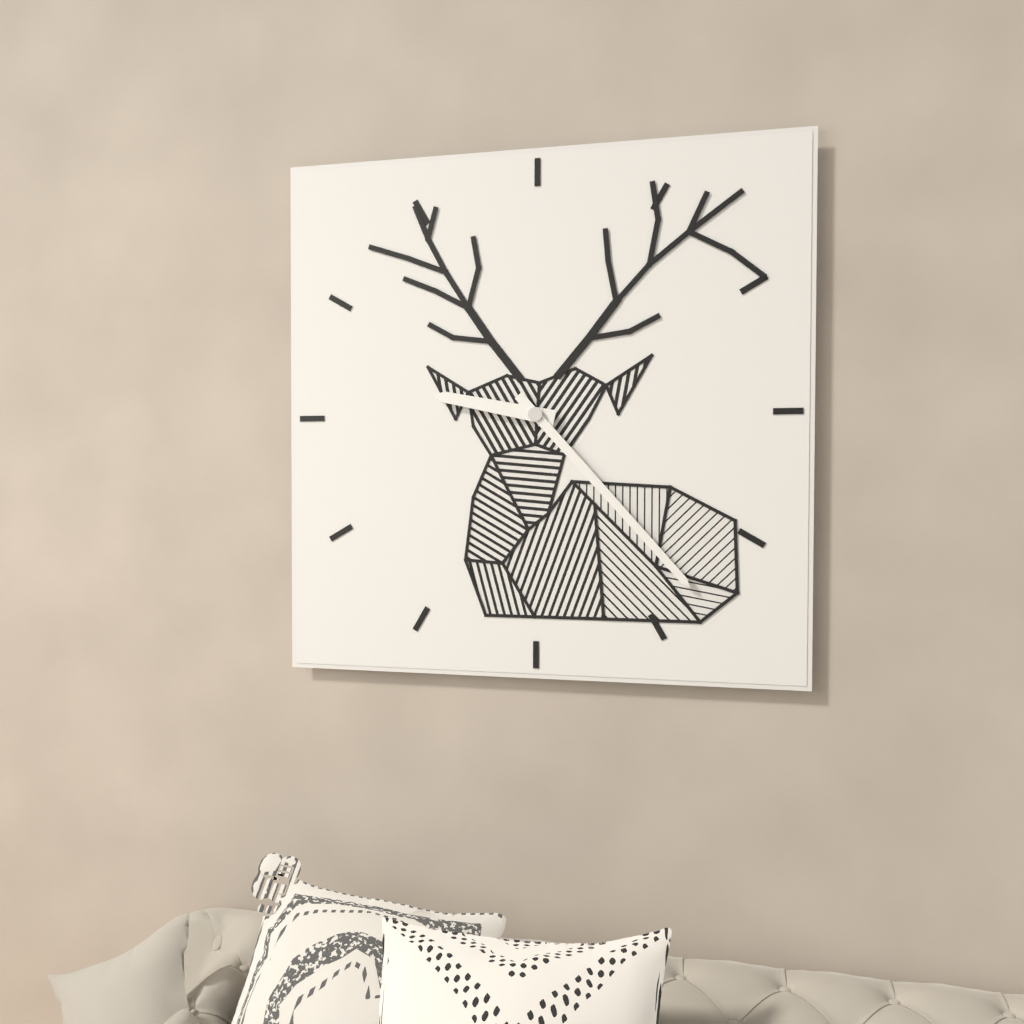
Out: **9:23**
